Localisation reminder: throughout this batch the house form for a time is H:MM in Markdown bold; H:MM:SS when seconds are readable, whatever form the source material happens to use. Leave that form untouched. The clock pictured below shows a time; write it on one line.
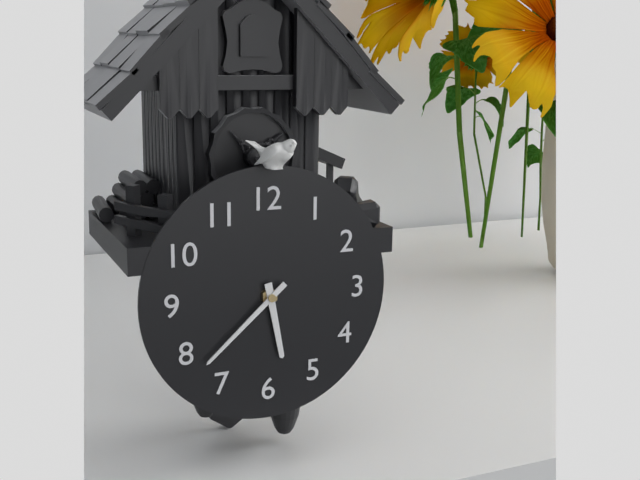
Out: **5:38**
